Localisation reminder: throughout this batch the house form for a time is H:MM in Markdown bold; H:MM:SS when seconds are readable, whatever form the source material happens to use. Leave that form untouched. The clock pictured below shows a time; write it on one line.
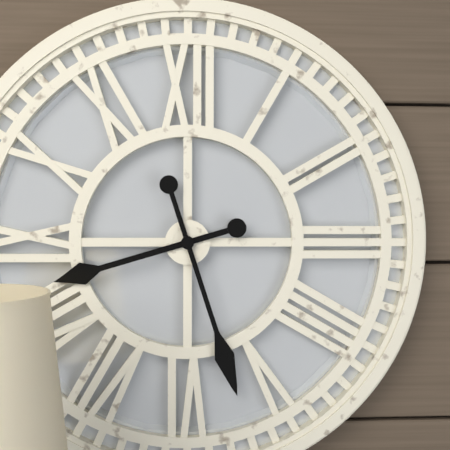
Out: **8:27**
